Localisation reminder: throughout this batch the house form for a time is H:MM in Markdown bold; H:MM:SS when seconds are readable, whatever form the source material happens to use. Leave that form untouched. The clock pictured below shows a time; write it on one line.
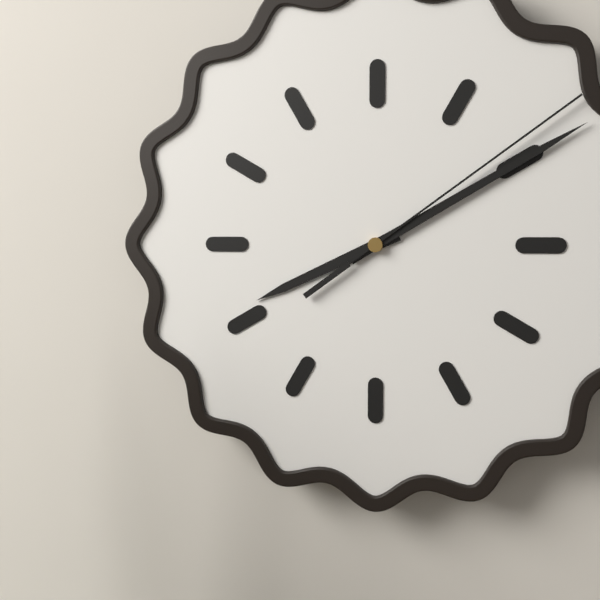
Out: **8:10:09**
